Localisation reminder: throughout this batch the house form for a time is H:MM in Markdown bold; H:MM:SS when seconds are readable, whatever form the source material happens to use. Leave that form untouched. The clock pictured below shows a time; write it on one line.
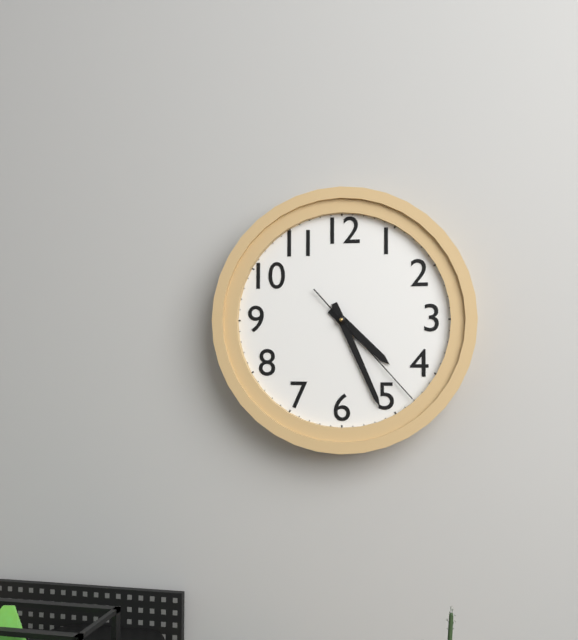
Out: **4:26:23**
